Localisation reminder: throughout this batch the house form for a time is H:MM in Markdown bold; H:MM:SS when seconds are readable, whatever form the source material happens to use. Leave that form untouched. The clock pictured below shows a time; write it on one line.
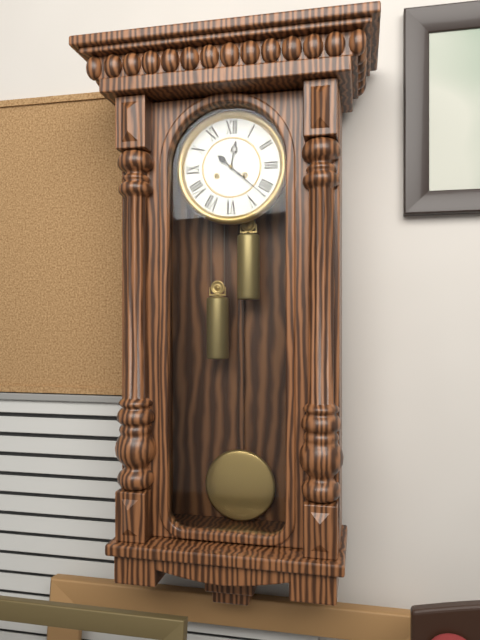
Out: **12:22**
